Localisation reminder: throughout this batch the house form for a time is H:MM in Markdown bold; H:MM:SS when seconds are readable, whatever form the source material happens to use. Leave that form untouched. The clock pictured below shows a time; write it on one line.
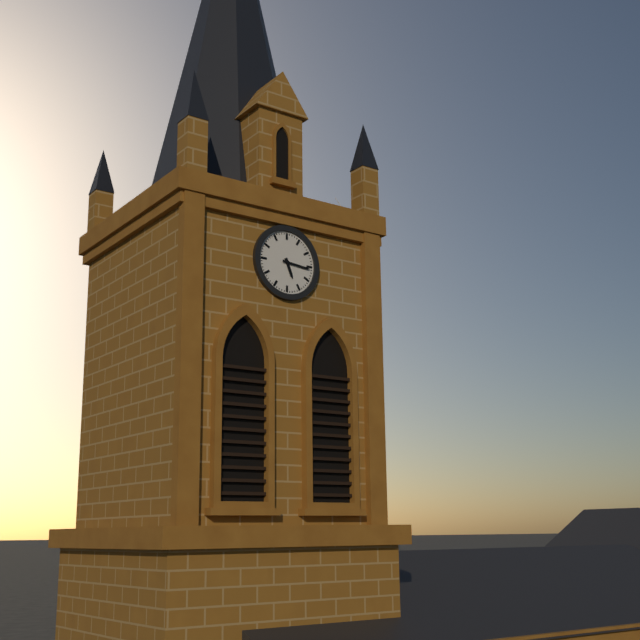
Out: **5:16**
